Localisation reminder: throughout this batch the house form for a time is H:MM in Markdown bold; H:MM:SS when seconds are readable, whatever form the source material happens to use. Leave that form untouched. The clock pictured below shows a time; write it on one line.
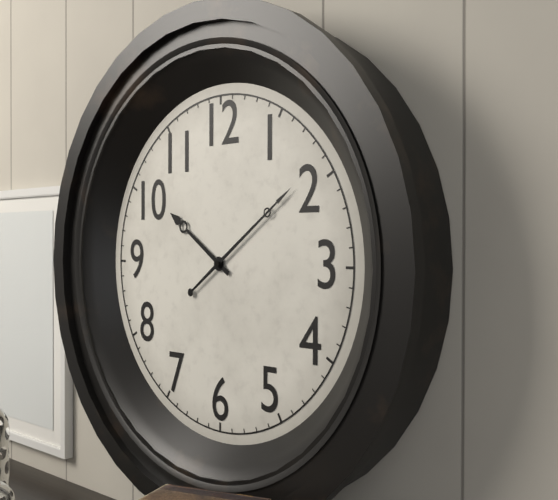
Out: **10:09**
